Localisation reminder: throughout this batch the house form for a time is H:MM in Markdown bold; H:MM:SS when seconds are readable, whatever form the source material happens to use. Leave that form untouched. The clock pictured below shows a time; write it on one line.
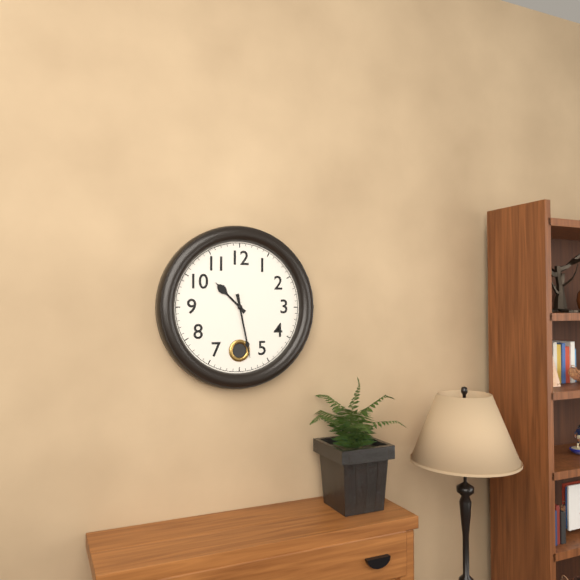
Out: **10:28**
